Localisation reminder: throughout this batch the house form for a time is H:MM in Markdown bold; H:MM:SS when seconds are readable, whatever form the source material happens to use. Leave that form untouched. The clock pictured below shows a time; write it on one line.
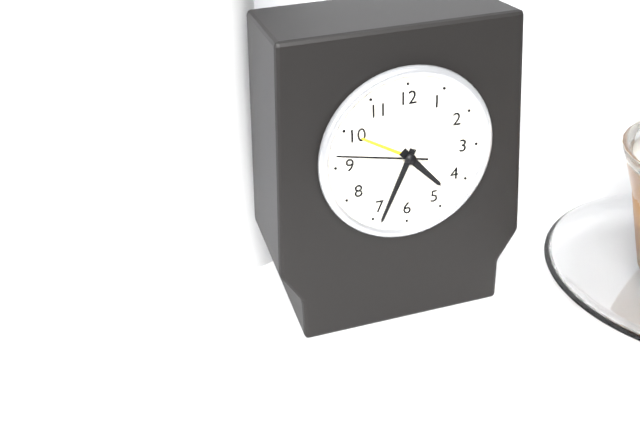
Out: **4:34:47**
